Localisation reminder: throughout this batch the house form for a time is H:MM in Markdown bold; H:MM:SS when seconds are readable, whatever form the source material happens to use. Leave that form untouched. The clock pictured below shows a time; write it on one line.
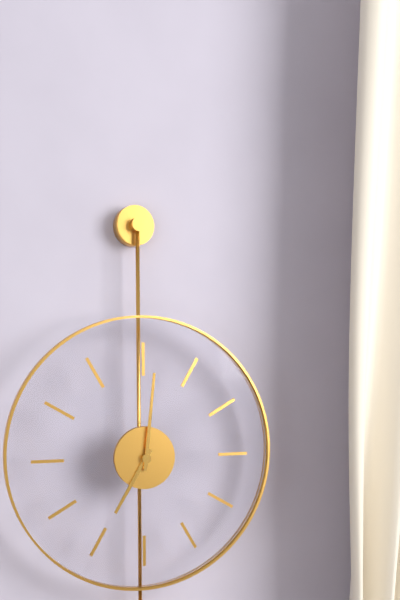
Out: **7:01**
